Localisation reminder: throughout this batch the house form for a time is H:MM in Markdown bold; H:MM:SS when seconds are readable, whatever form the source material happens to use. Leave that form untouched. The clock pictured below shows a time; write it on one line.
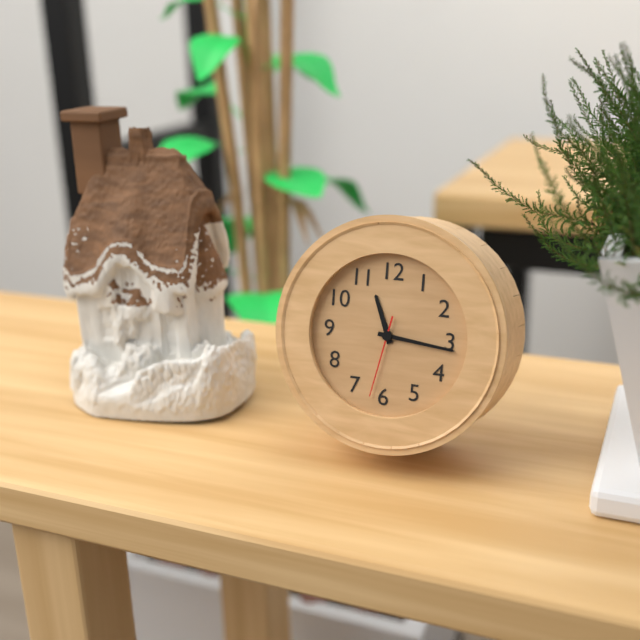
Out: **11:16:32**
